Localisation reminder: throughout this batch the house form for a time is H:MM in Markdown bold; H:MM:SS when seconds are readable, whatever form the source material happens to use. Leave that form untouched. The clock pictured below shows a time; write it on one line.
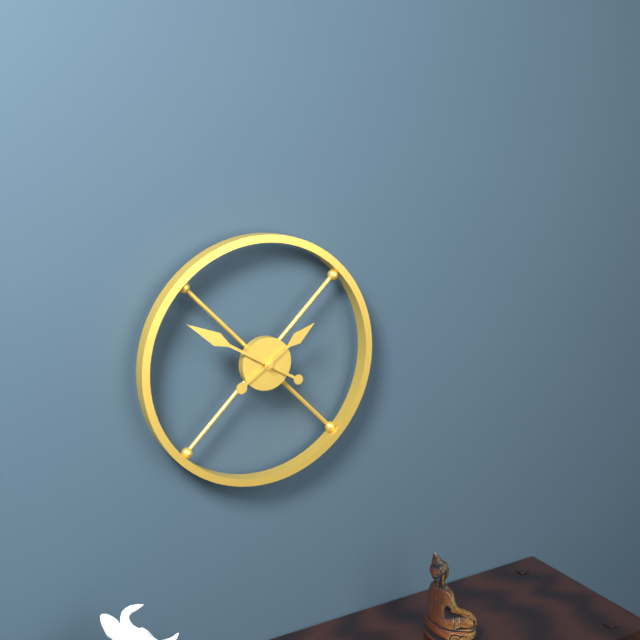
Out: **1:50**
